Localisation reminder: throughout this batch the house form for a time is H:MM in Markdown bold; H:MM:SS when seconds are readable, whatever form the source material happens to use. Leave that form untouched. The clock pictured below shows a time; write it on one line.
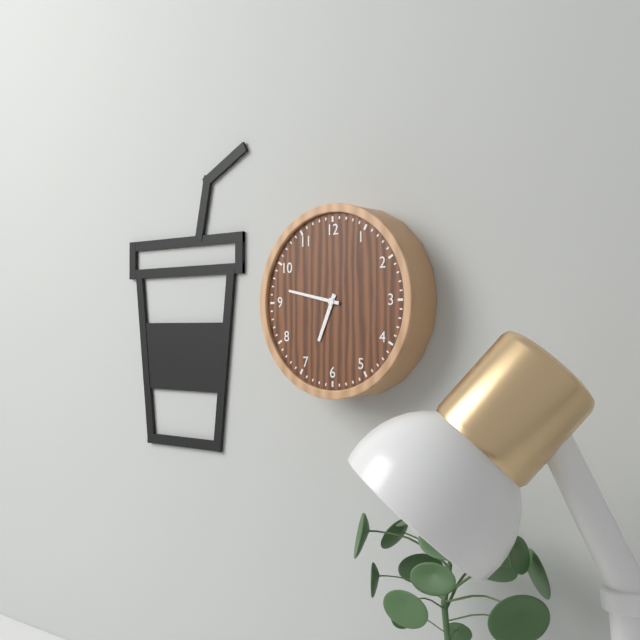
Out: **6:47**
